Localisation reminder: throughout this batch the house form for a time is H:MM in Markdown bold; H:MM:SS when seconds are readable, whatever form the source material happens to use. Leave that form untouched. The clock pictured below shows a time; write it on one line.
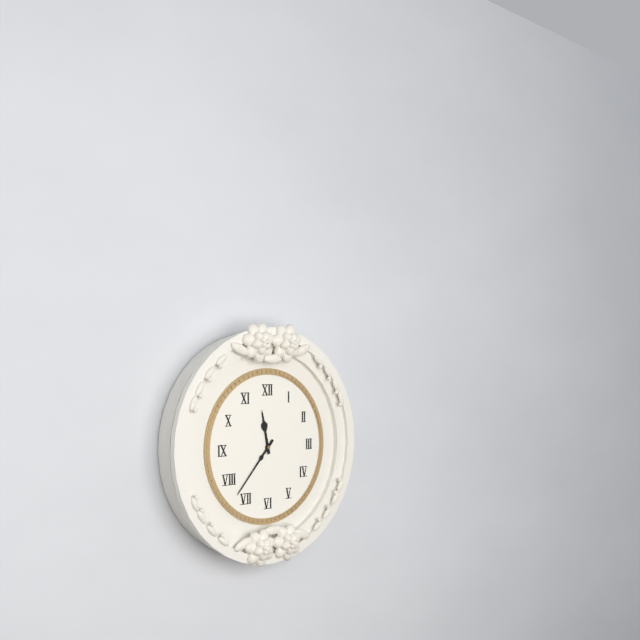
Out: **11:37**
